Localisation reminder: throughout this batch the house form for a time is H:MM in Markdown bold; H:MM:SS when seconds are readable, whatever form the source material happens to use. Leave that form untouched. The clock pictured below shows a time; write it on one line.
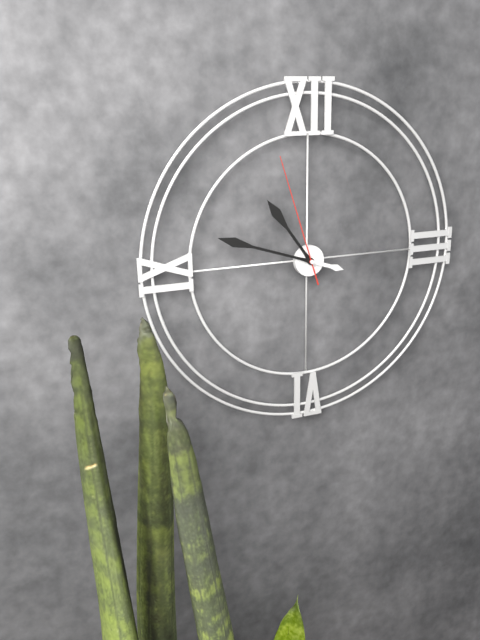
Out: **10:48:57**
